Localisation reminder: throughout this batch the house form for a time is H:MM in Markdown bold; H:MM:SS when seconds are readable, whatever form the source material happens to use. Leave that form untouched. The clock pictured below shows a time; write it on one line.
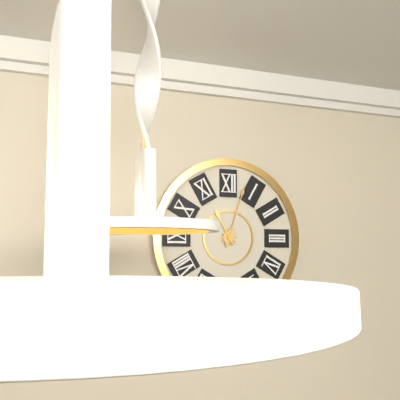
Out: **11:03**
